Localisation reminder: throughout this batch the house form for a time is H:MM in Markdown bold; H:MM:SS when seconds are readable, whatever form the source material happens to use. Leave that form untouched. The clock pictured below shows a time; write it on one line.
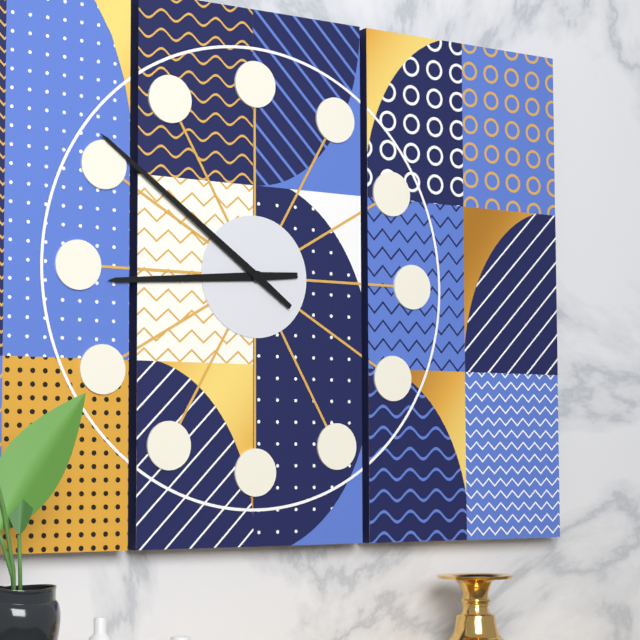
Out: **8:51**
